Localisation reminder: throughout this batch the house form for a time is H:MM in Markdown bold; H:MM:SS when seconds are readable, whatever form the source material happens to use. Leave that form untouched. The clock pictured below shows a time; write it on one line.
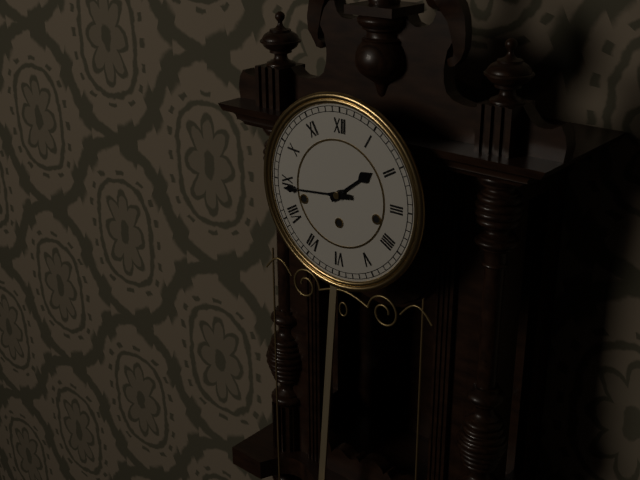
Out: **1:44**
